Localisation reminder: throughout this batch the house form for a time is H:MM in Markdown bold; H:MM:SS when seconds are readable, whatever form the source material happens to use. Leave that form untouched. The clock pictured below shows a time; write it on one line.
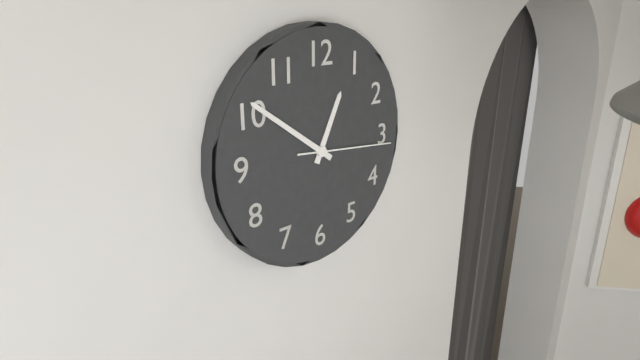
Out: **12:51:16**
